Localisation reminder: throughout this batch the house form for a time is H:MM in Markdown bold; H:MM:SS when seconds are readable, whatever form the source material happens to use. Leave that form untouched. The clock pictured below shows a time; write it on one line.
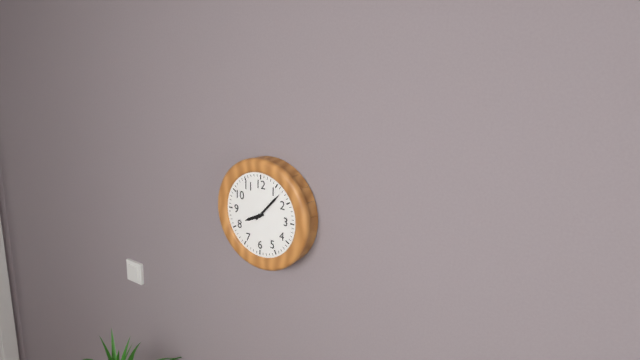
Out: **8:07**
